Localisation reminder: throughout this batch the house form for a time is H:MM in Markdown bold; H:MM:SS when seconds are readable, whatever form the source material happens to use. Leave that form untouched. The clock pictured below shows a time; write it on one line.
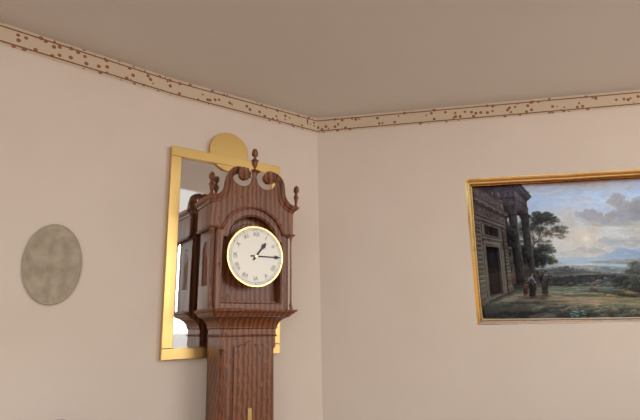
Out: **1:15**
